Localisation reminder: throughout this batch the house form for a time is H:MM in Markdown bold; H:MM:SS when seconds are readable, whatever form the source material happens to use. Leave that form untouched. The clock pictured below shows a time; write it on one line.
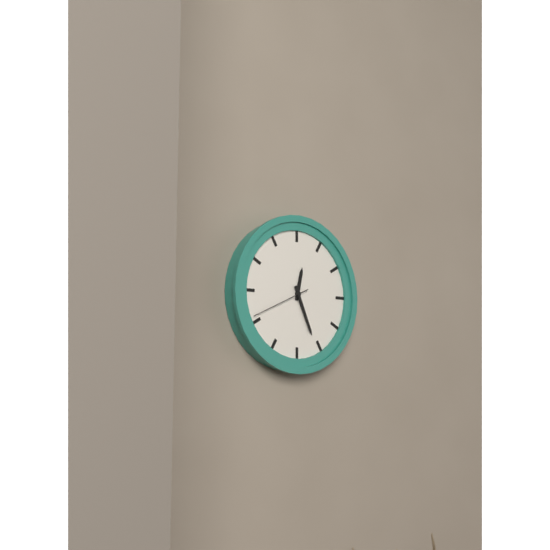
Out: **12:26:41**
